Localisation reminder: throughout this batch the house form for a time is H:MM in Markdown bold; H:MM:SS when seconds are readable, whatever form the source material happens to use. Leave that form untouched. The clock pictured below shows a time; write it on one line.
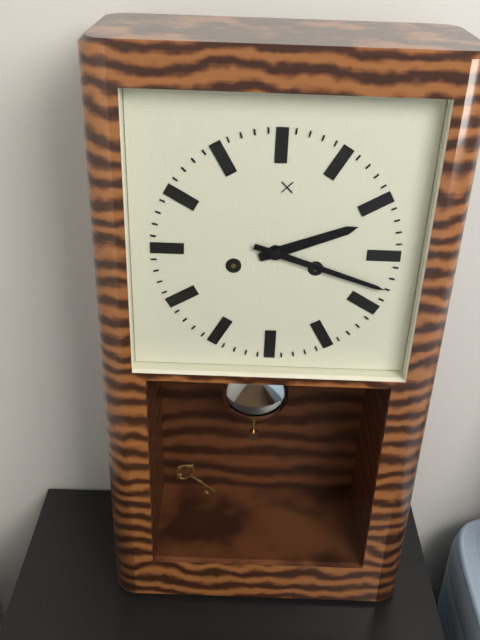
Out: **2:18**
